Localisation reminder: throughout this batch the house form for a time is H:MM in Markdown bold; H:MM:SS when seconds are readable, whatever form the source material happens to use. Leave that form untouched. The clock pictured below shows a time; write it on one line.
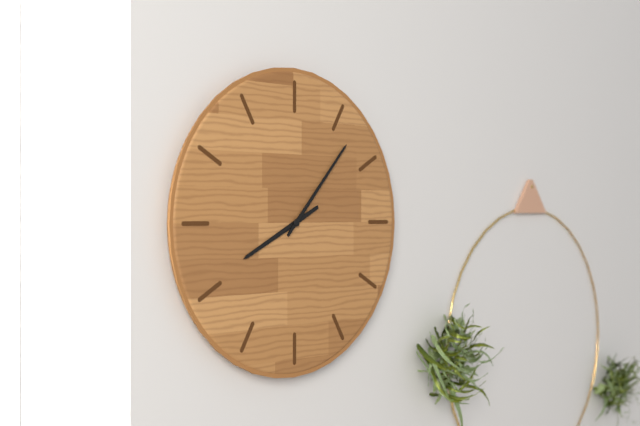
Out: **8:07**
